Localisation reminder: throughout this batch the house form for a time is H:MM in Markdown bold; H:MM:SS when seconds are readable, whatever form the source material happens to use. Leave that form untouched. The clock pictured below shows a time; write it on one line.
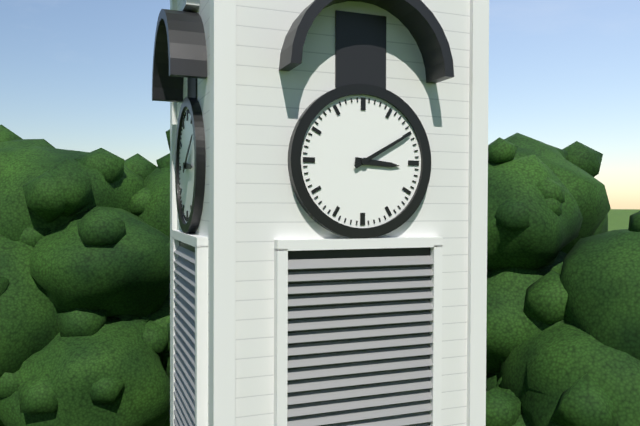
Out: **3:10**
